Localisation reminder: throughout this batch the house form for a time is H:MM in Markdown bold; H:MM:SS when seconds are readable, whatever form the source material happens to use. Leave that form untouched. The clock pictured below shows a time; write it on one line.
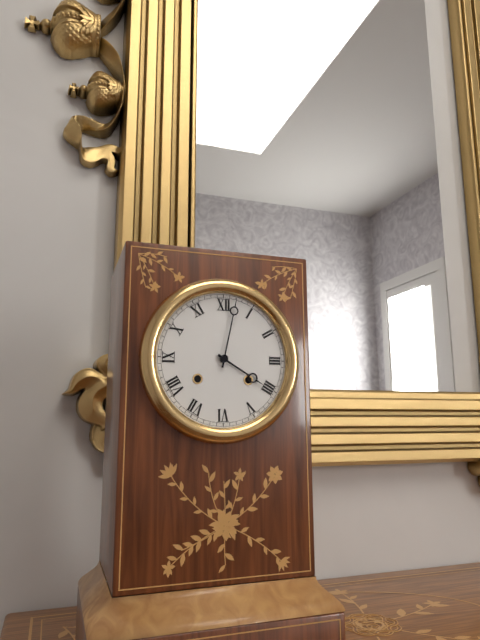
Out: **4:02**
